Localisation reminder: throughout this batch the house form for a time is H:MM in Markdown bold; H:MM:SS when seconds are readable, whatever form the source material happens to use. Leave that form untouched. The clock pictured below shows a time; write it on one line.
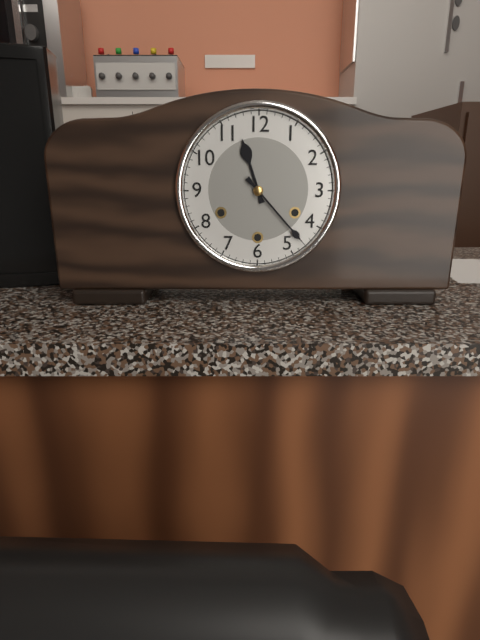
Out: **11:23**
